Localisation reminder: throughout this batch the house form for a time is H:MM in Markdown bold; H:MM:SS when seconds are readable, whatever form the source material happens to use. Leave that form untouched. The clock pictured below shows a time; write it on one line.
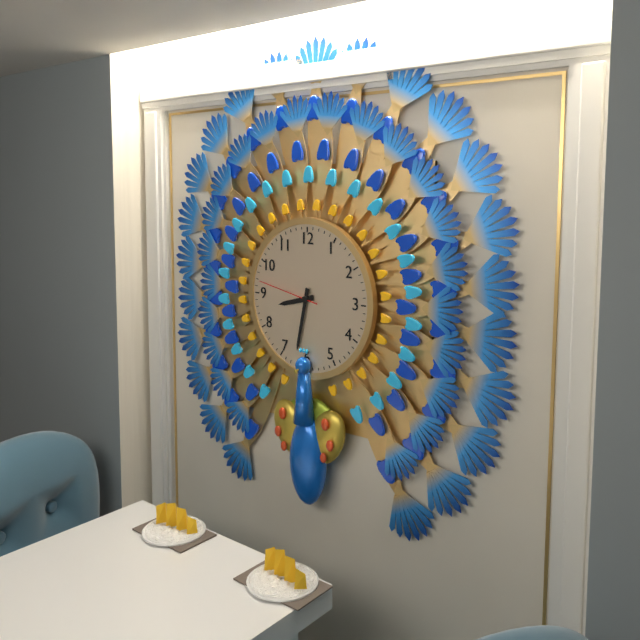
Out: **8:32:47**
